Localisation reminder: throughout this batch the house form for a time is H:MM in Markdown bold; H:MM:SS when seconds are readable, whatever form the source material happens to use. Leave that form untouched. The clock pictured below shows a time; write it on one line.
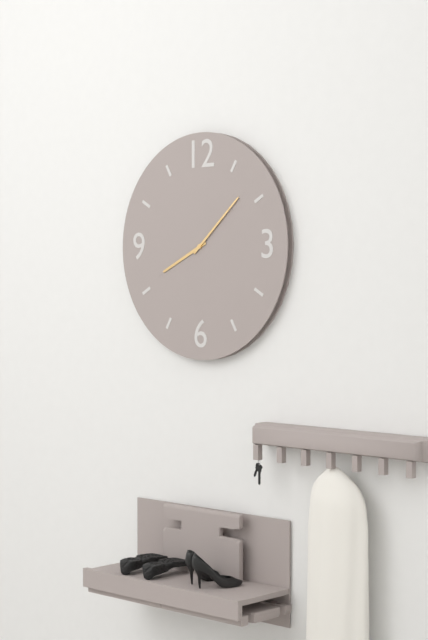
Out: **8:08**
